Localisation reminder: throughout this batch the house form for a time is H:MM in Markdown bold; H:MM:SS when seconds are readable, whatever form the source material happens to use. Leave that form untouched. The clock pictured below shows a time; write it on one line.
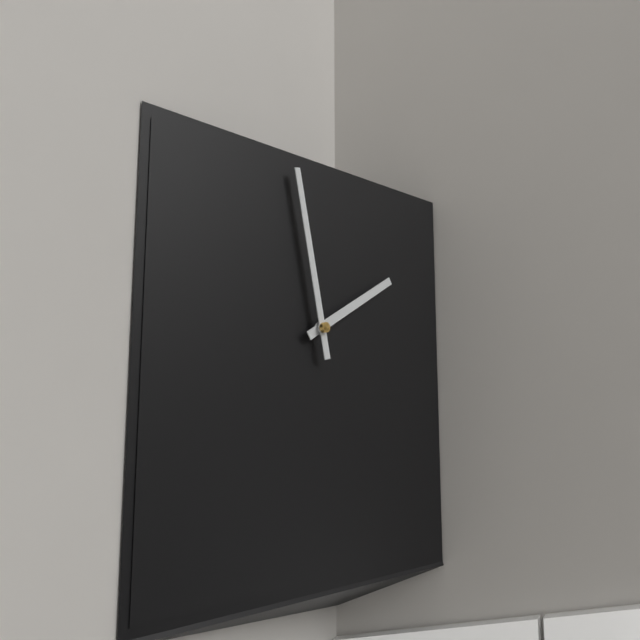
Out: **1:58**
